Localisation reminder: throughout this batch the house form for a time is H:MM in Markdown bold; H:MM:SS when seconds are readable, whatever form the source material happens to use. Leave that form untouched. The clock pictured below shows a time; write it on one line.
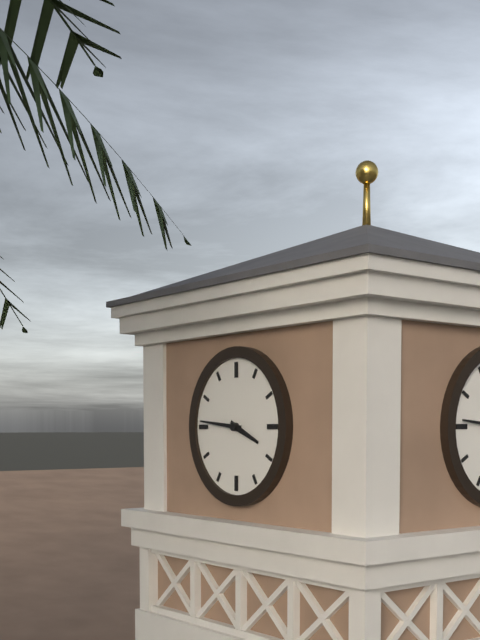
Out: **3:46**
